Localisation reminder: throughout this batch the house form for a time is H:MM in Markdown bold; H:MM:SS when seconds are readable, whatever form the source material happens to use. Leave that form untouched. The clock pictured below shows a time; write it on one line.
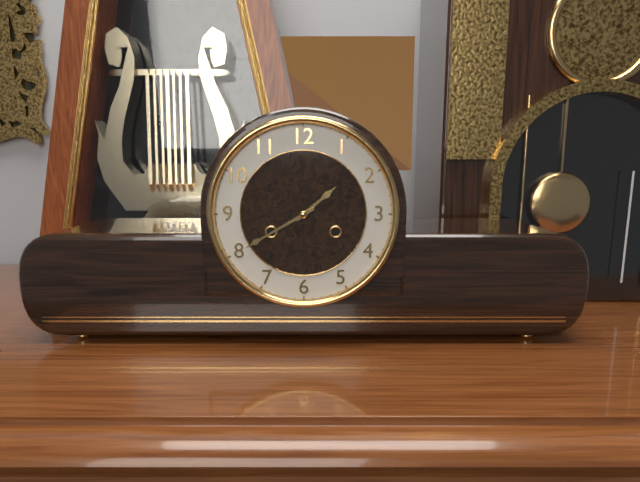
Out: **1:40**
